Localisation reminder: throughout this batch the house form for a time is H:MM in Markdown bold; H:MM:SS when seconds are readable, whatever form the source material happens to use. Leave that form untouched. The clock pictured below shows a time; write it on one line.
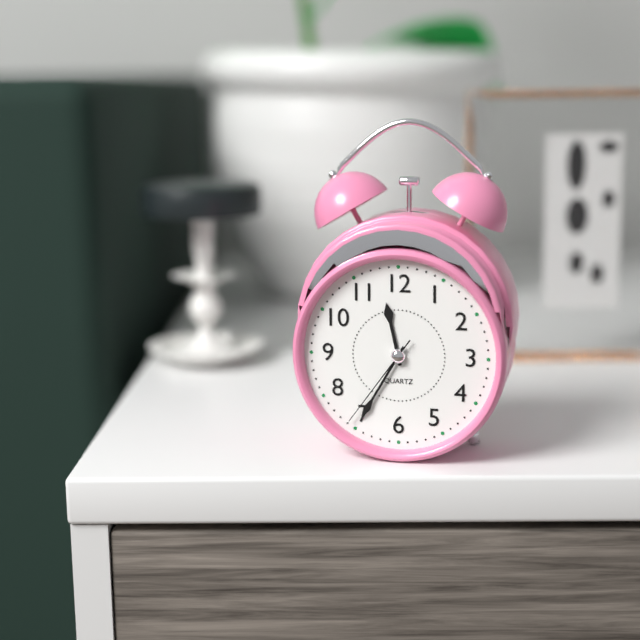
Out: **11:35:36**
